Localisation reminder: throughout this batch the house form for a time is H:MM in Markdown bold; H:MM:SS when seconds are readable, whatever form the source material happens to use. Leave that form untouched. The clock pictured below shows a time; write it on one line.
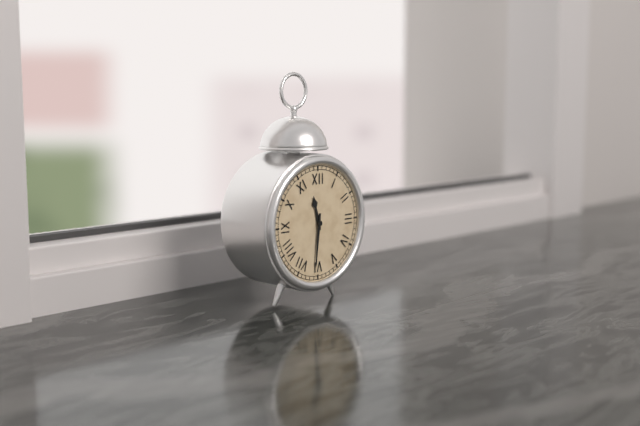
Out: **11:31**
